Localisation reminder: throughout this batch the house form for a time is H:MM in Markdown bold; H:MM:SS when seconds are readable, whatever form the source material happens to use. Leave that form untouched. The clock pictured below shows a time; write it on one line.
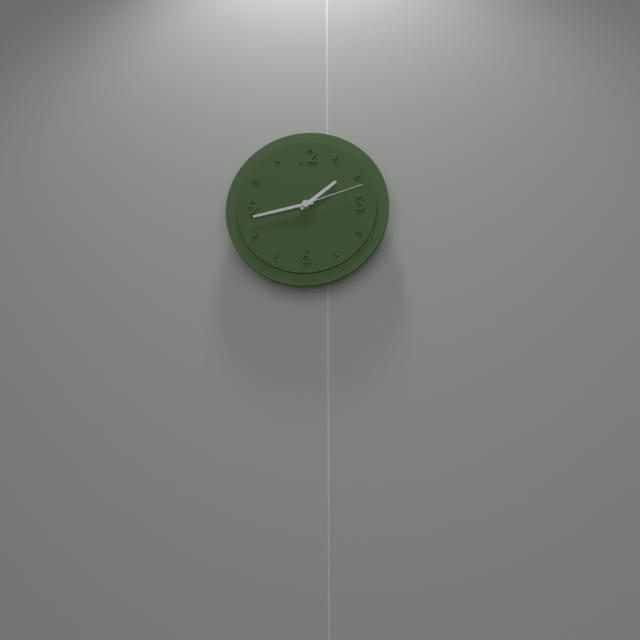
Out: **1:43:12**
